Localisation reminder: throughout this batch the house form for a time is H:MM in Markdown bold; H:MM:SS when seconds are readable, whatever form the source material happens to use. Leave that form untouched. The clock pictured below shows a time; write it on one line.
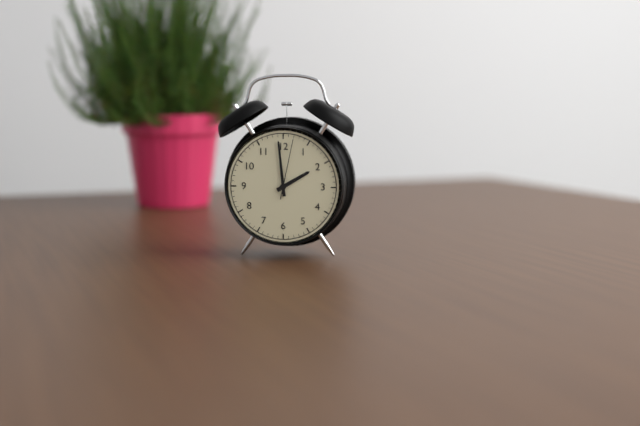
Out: **1:59:02**
